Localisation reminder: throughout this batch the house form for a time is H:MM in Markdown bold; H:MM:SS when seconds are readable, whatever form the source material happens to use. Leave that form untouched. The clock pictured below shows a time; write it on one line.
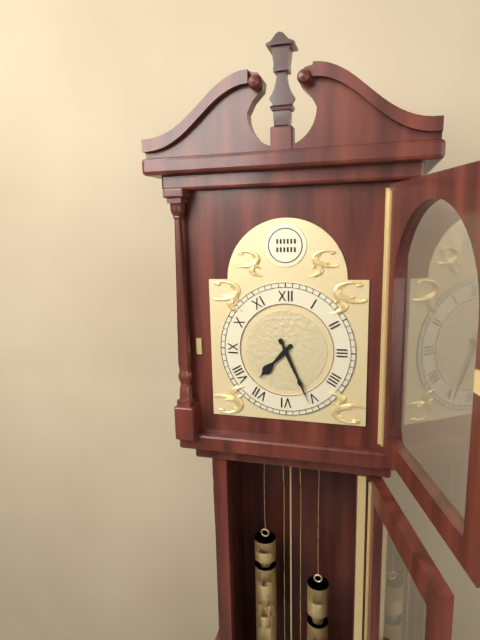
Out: **7:26**
